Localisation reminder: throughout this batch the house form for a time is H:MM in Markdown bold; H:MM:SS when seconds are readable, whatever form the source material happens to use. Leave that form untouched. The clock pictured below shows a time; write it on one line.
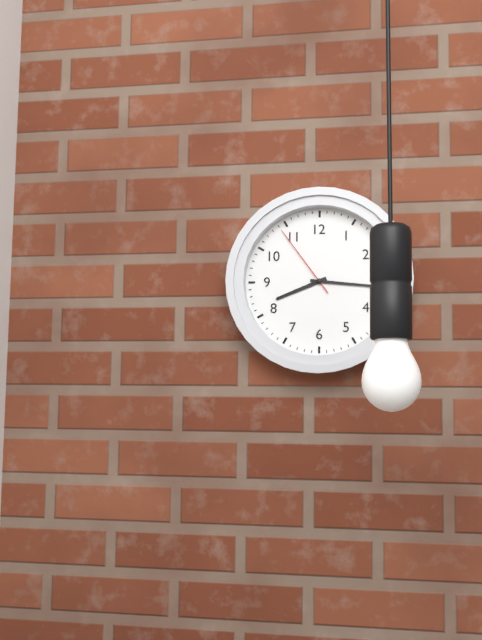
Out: **8:16:54**
